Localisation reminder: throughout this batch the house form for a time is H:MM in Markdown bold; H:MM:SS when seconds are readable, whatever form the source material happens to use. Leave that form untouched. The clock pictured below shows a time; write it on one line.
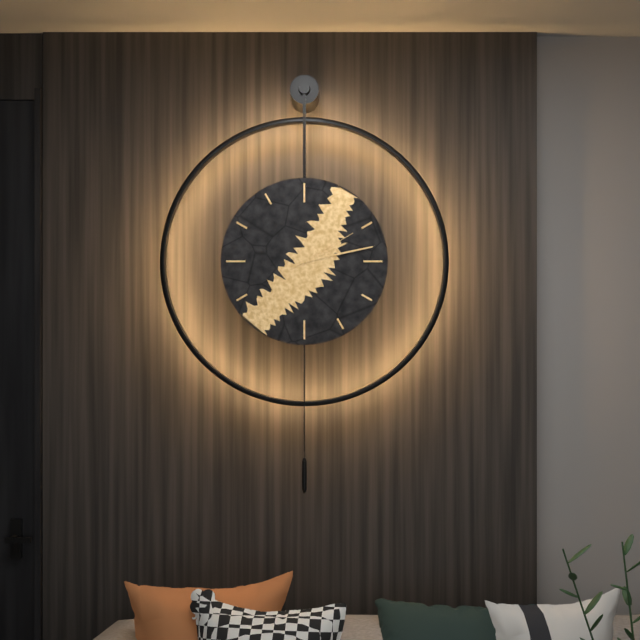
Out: **2:13:10**
